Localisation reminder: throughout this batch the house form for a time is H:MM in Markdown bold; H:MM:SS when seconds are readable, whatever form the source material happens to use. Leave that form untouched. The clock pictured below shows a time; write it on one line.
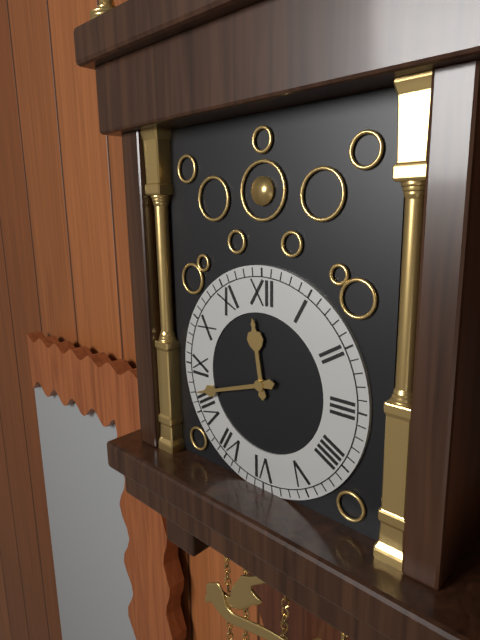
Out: **11:42**
